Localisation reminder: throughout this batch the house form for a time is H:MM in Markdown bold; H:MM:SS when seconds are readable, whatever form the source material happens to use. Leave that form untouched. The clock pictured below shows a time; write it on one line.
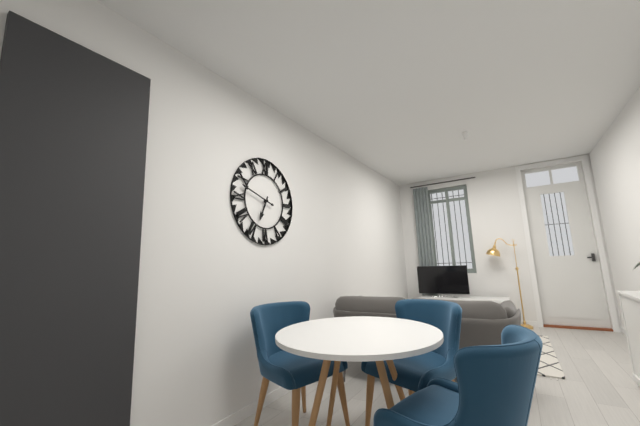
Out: **6:48**
